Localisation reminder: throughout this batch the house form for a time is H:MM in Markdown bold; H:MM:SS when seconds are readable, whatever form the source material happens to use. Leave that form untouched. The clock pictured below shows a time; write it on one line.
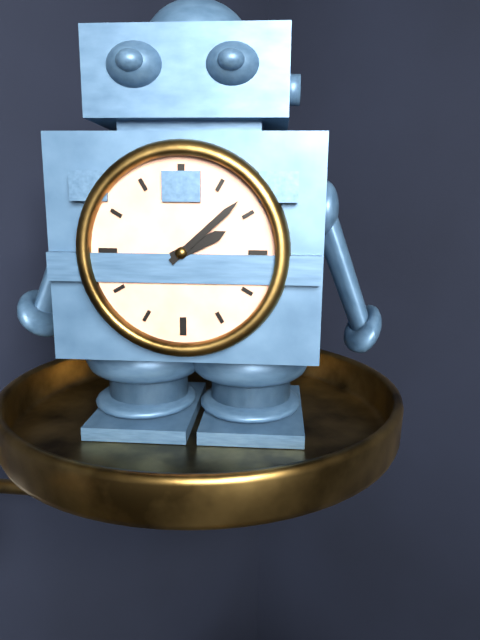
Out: **2:08**
